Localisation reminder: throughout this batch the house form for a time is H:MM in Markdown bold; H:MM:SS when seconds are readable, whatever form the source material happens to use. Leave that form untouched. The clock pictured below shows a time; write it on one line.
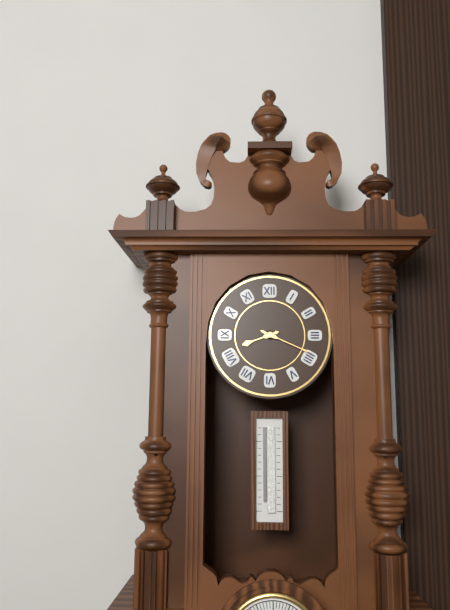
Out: **8:19**
